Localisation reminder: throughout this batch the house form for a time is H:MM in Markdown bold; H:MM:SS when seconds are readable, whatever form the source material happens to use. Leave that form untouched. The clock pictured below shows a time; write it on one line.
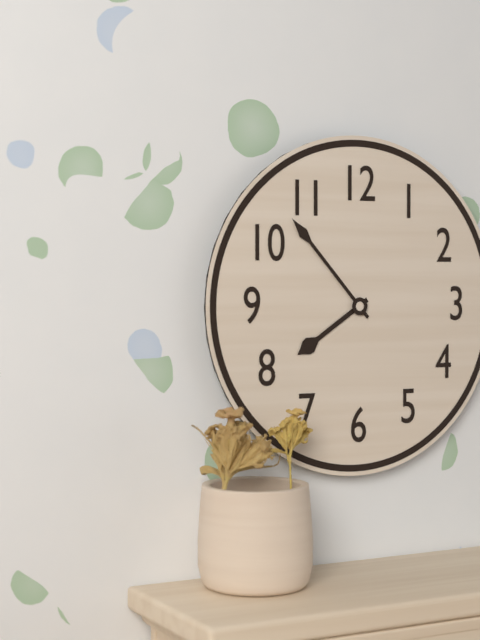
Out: **7:53**
